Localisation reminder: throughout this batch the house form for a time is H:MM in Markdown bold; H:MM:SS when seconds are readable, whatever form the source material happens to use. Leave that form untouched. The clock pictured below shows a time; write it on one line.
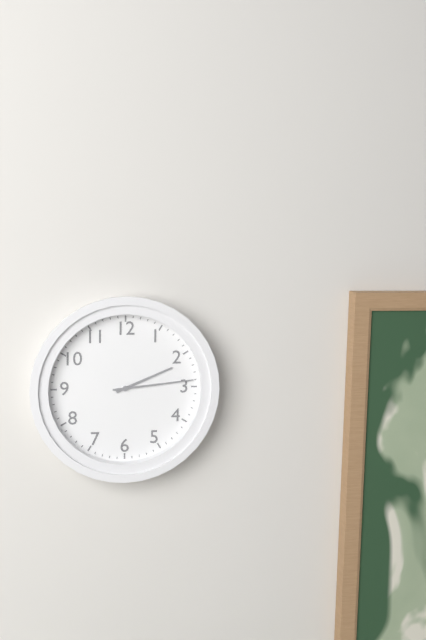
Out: **2:14**
